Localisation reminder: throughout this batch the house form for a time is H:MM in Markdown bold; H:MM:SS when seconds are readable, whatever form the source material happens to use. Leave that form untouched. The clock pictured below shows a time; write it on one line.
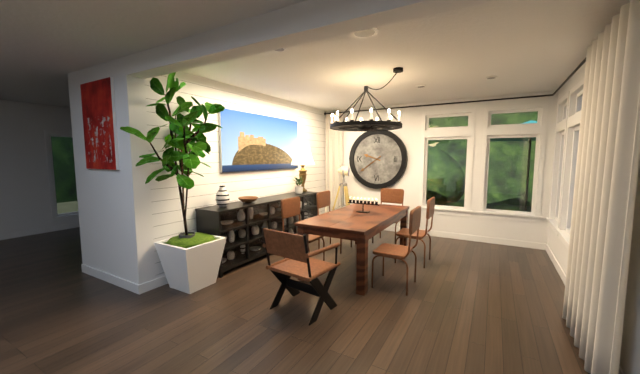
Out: **9:39**
